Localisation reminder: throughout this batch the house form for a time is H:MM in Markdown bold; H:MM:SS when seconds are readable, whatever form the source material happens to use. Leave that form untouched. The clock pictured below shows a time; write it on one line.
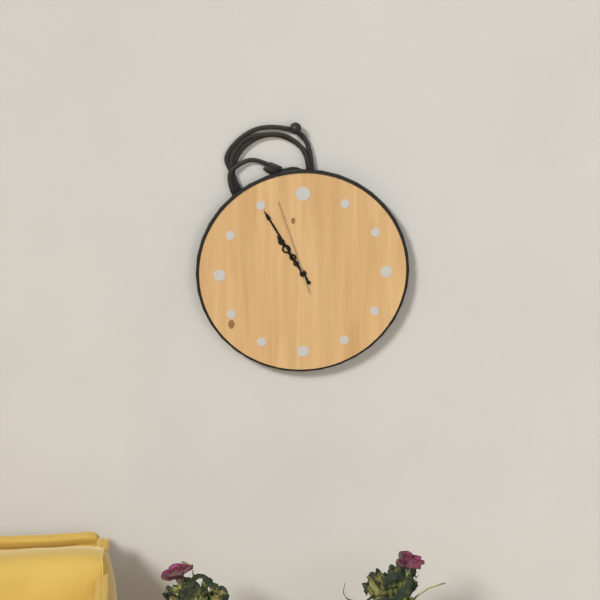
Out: **10:55:57**
